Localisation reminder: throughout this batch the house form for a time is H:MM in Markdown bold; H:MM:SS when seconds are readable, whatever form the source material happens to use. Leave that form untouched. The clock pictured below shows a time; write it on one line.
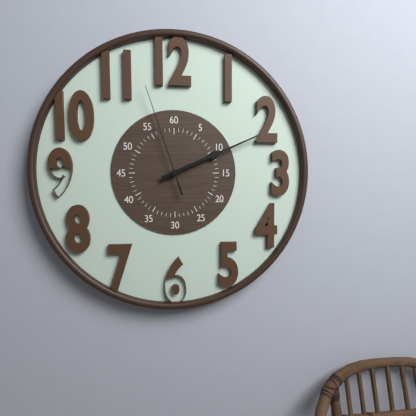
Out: **2:11:57**
